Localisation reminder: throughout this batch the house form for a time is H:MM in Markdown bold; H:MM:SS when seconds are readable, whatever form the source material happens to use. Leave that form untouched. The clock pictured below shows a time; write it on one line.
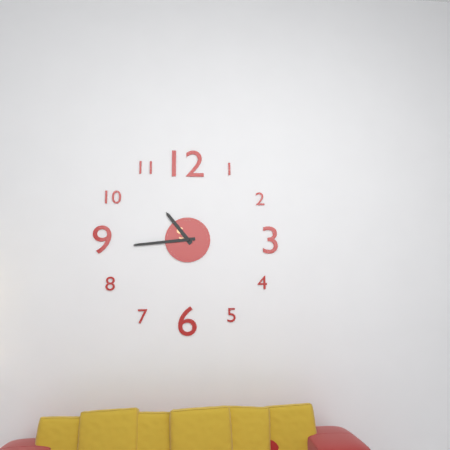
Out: **10:44**
